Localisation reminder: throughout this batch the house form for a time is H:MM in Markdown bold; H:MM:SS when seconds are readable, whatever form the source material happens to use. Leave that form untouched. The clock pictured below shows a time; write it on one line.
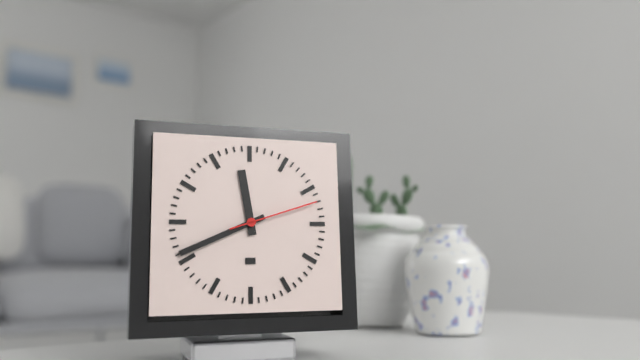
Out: **11:41:12**
